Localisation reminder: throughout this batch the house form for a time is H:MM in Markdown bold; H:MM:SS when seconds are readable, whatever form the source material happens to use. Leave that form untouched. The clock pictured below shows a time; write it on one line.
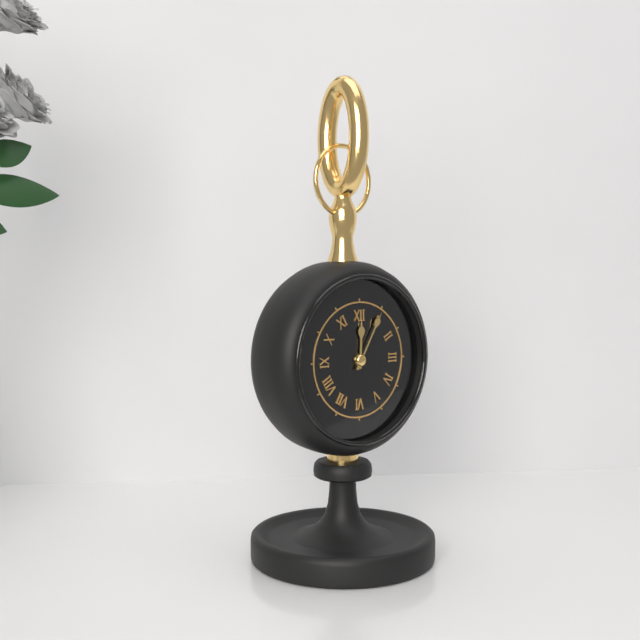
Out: **12:05**
